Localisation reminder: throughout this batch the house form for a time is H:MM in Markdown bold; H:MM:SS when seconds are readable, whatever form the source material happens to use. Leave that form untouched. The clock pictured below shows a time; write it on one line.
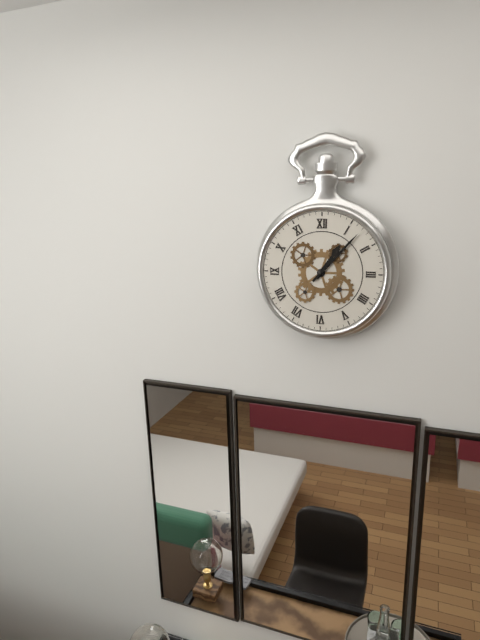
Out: **1:07**
